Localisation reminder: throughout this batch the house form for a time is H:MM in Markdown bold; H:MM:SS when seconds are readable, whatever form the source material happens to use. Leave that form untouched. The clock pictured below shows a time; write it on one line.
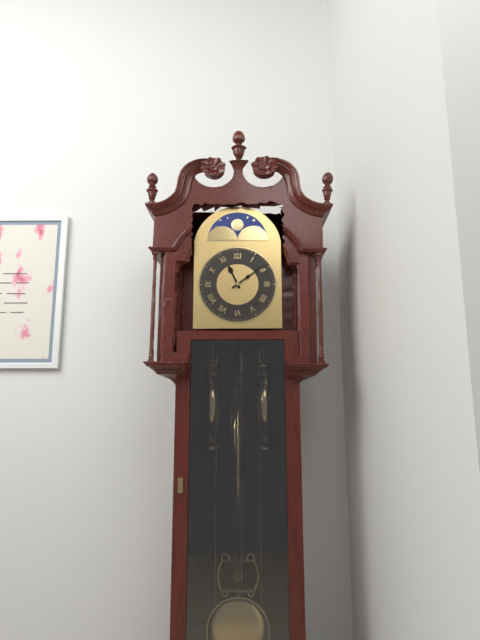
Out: **11:09**
